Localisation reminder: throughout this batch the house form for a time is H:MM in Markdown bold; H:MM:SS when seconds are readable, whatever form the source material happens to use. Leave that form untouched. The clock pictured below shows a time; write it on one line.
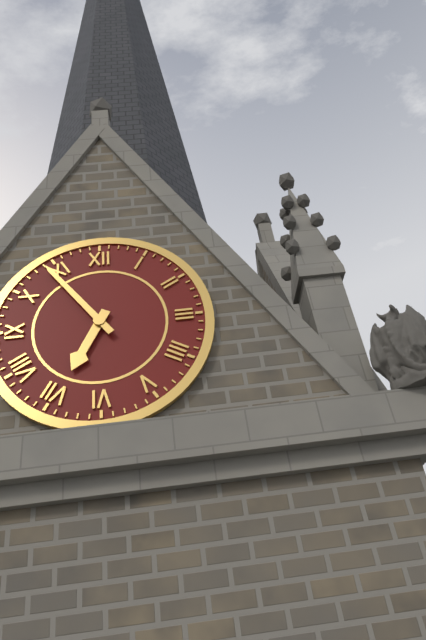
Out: **6:54**
